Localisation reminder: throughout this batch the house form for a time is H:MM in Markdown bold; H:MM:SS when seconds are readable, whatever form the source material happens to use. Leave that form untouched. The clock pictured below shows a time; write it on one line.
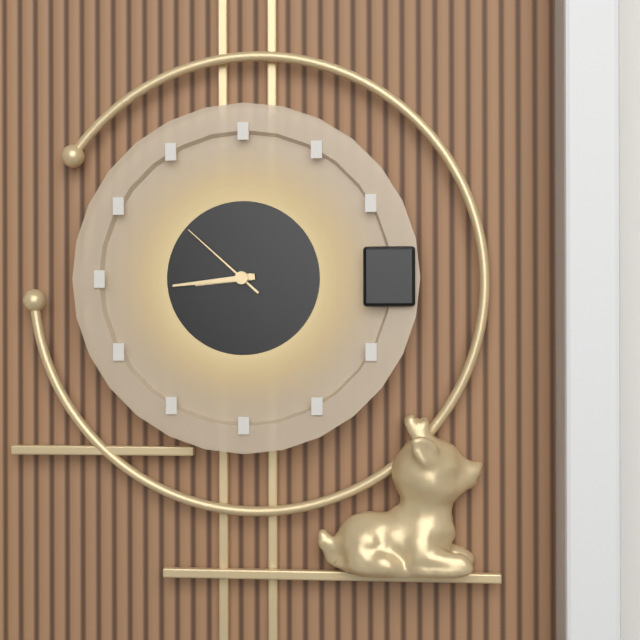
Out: **8:44:52**
